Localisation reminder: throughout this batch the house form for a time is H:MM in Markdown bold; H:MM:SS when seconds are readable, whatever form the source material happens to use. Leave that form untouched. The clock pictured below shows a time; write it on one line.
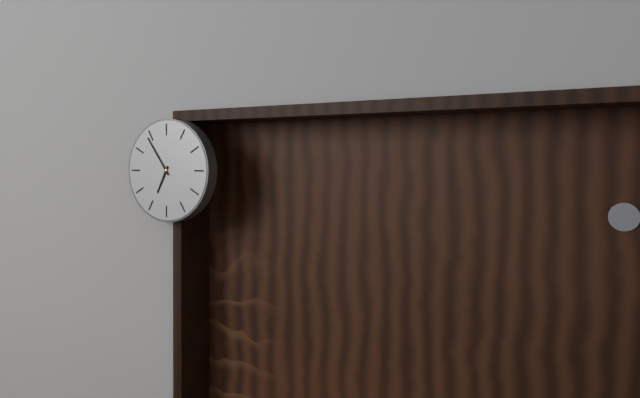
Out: **6:54**
